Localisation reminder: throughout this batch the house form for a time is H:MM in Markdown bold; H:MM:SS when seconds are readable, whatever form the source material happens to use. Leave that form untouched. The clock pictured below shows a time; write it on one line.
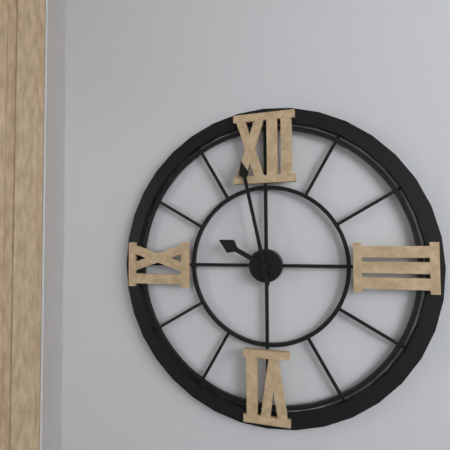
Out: **9:58**
